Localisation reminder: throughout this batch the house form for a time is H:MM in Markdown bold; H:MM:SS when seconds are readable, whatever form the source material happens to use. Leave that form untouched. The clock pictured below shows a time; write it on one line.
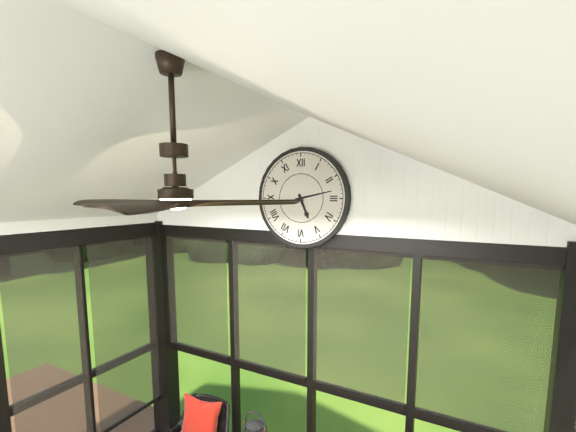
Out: **5:13**
